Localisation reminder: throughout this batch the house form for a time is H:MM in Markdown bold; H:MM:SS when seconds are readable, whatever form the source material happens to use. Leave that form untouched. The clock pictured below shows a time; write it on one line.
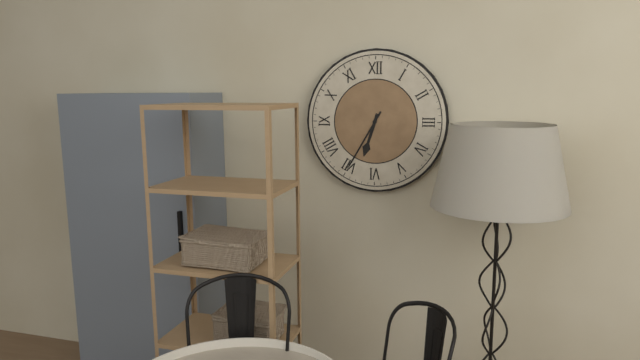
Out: **6:35**
